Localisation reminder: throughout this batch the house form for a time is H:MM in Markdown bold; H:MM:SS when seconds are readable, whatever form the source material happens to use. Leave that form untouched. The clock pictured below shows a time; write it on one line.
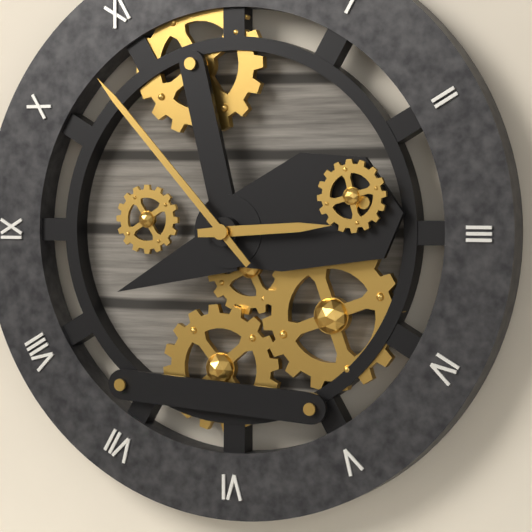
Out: **2:53**
